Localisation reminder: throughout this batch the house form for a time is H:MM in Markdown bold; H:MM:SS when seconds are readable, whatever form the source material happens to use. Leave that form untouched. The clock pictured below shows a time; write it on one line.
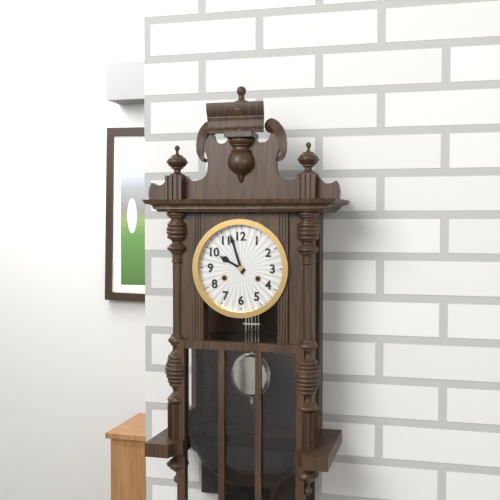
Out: **9:57**
